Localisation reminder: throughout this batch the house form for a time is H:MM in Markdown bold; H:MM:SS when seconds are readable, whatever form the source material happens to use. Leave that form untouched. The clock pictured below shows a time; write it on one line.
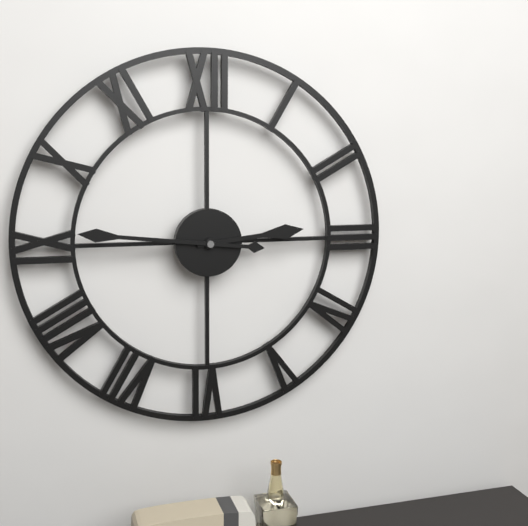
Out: **2:46**
